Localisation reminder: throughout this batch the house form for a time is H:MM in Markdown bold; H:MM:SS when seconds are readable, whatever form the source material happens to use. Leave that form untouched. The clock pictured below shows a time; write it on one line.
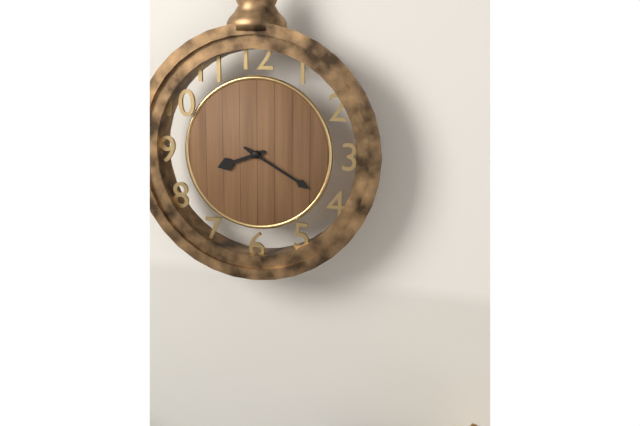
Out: **8:20**
